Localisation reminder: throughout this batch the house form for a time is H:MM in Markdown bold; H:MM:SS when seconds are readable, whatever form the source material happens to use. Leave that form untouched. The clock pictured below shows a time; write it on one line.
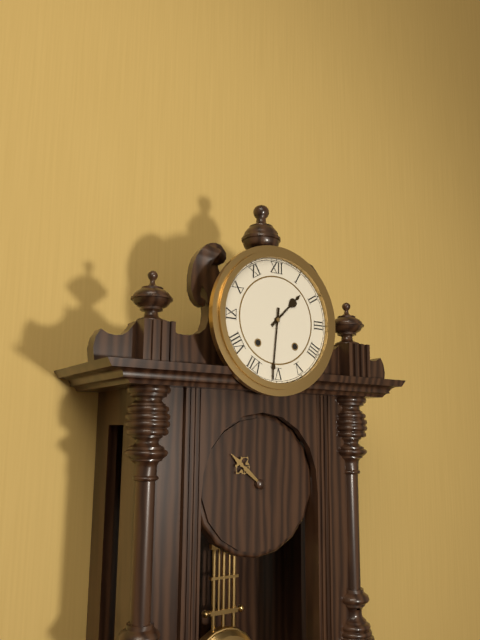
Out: **1:31**
